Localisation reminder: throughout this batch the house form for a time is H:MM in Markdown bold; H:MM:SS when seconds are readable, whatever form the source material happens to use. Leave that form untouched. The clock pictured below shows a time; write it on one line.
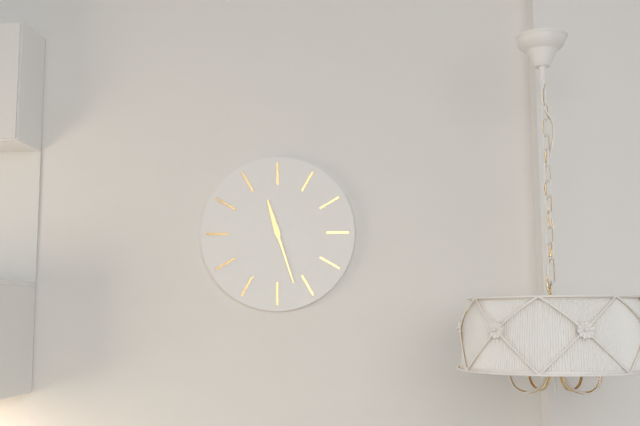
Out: **11:27**
